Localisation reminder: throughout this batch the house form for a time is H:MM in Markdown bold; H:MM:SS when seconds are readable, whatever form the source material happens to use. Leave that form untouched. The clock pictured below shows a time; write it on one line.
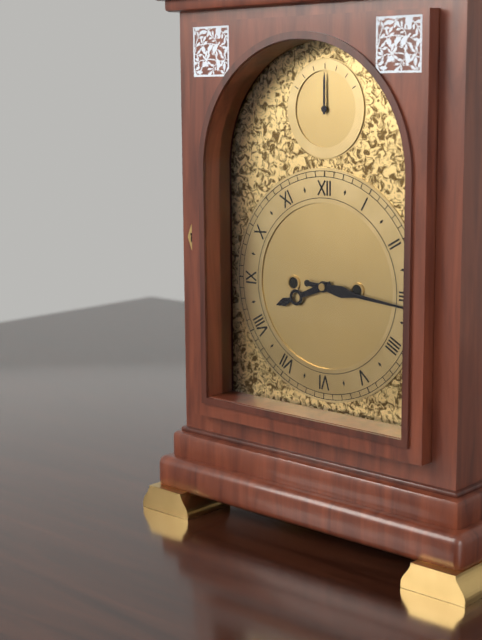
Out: **8:16**
